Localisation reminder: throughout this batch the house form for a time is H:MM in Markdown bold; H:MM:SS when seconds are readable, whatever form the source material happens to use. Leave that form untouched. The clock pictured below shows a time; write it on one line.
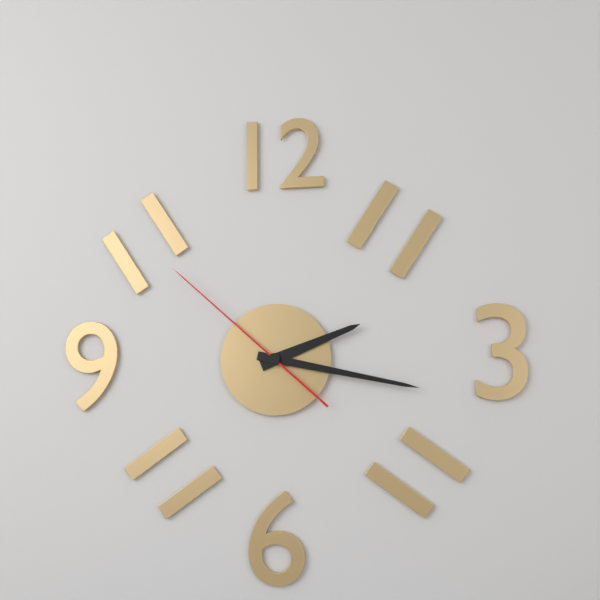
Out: **2:17:52**
